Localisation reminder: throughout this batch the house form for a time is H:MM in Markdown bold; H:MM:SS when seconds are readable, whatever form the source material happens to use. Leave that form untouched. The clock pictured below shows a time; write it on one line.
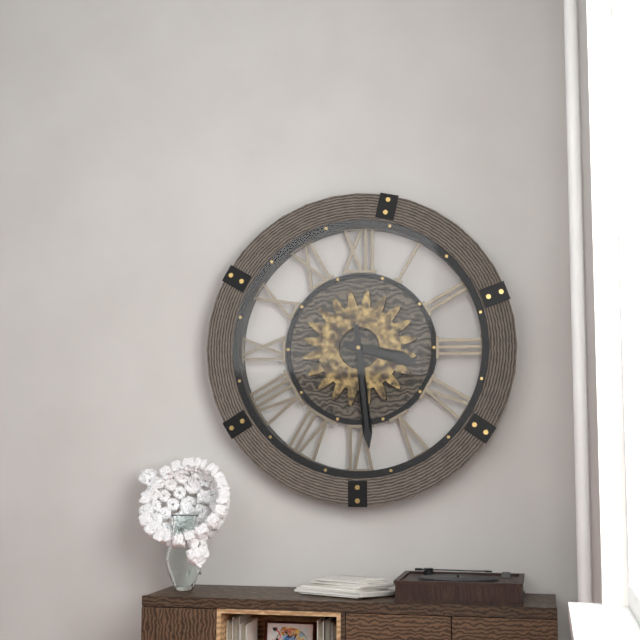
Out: **3:29**
